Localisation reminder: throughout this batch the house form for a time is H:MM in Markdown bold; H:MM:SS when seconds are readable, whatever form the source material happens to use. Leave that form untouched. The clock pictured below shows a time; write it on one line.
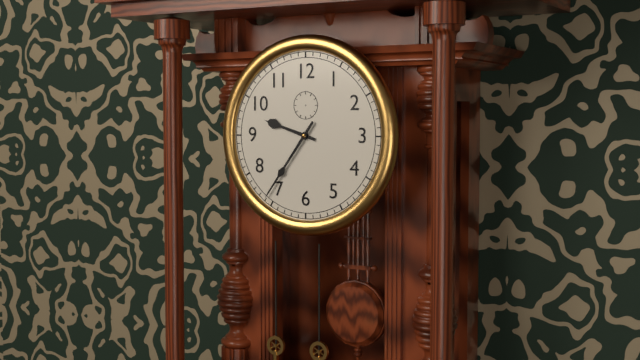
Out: **9:36**
